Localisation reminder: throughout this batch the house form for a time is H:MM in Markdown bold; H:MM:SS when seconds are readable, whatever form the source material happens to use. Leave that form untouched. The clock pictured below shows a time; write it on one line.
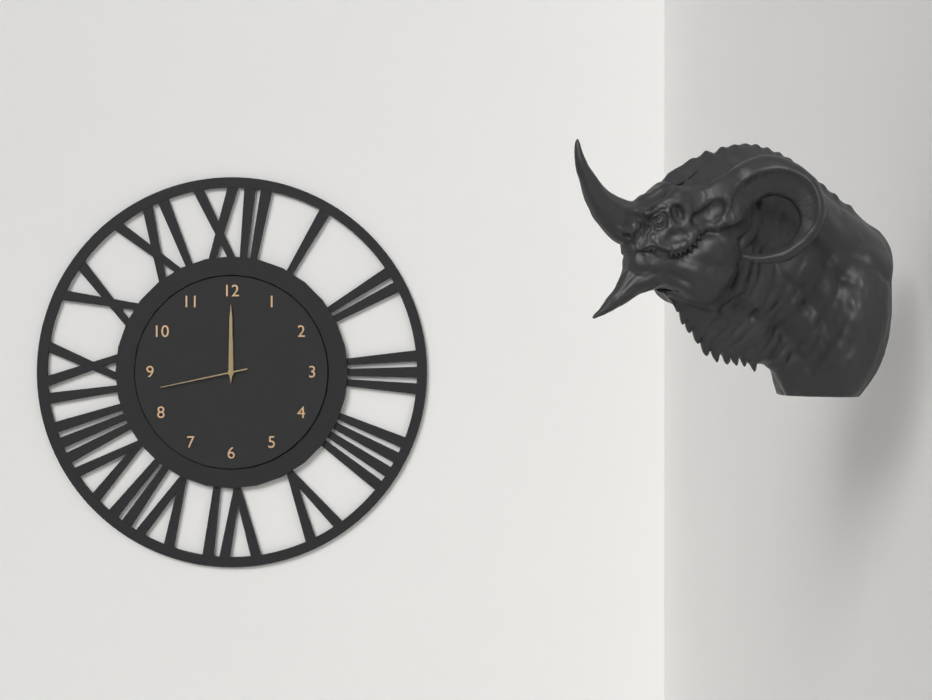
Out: **12:00:43**
